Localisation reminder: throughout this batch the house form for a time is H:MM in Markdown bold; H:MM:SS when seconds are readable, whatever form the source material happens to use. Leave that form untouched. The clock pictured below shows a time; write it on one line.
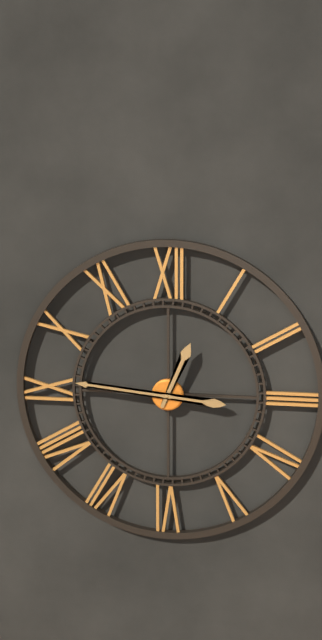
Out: **12:46**
